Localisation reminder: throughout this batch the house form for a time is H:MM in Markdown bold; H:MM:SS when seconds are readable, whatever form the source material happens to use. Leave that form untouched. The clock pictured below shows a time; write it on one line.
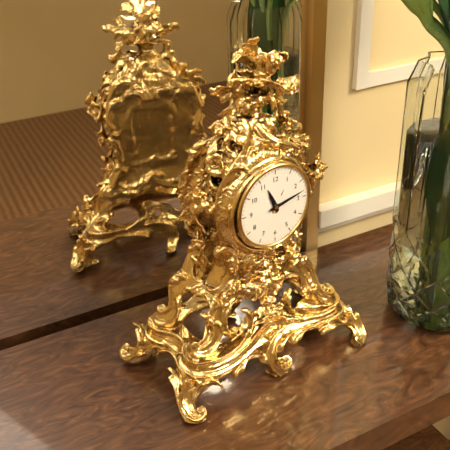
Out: **11:13**
